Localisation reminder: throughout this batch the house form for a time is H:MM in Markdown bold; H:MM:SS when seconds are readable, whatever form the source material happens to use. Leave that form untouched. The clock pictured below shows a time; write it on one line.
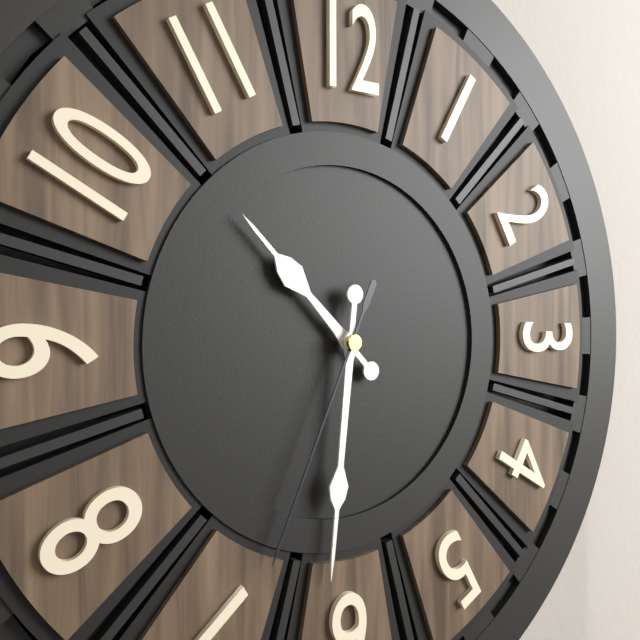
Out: **10:31:34**
